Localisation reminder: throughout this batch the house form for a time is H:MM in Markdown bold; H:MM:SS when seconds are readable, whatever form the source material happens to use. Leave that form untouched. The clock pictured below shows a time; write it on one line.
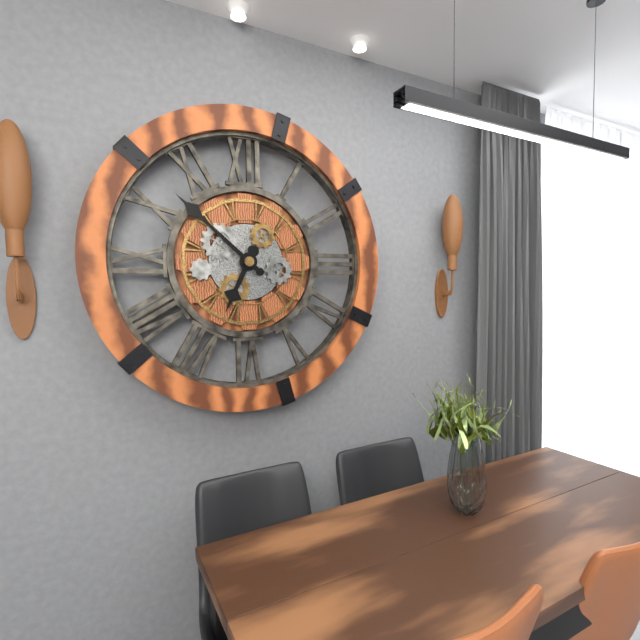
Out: **6:52**
